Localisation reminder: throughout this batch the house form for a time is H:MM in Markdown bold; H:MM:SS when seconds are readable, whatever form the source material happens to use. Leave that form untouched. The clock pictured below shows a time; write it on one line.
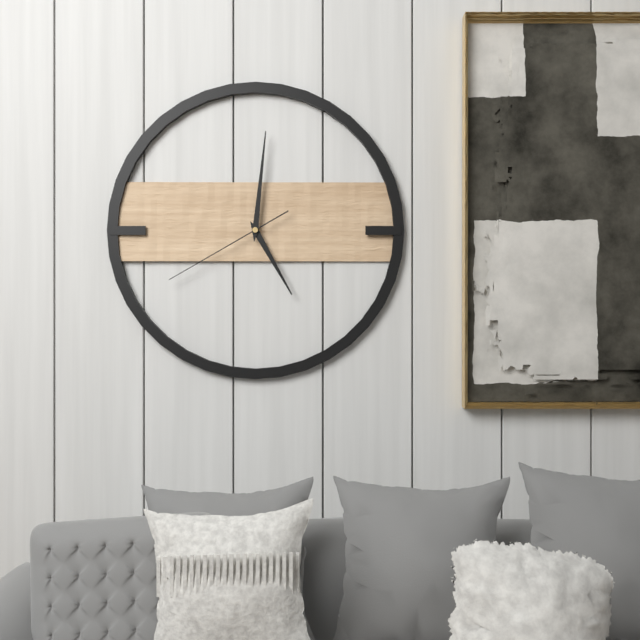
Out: **5:01:40**
